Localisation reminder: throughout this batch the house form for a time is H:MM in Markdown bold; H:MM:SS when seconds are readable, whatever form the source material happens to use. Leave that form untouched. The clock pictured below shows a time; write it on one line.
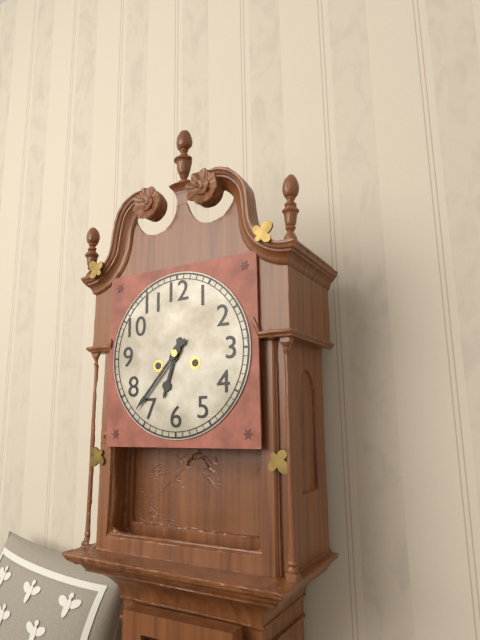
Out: **6:37**
